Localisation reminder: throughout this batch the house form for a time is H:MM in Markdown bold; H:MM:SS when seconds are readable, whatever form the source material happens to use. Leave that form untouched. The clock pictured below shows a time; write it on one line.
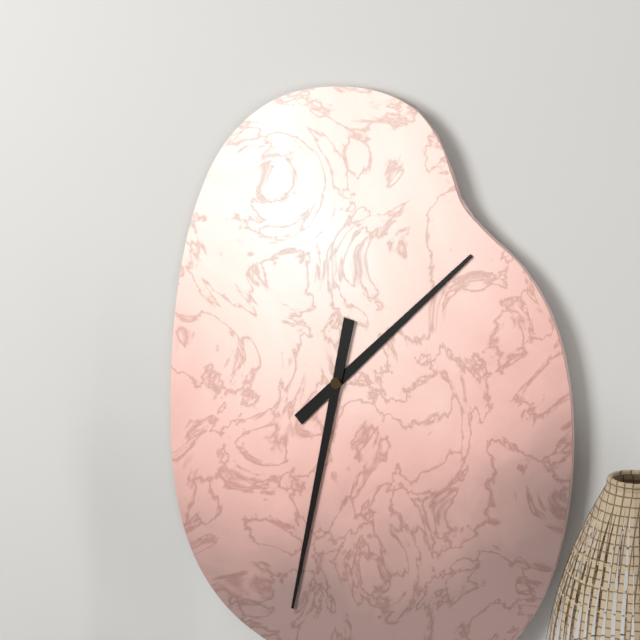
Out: **1:32**
